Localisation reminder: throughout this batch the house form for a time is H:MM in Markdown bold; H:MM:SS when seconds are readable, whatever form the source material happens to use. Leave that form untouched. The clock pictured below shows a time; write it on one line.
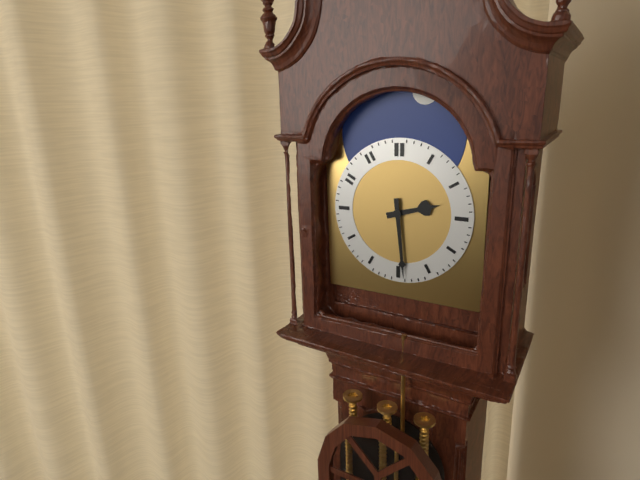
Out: **2:29**
